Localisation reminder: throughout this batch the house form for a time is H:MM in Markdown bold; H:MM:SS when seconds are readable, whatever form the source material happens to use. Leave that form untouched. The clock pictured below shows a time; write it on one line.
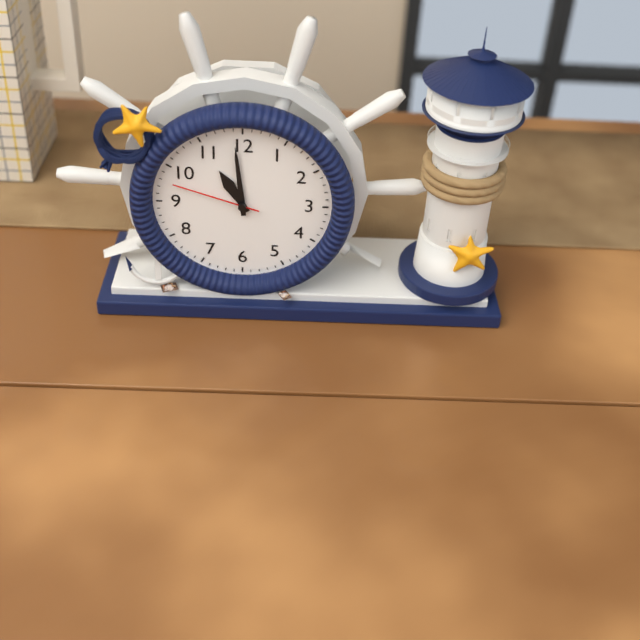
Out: **10:59:48**
